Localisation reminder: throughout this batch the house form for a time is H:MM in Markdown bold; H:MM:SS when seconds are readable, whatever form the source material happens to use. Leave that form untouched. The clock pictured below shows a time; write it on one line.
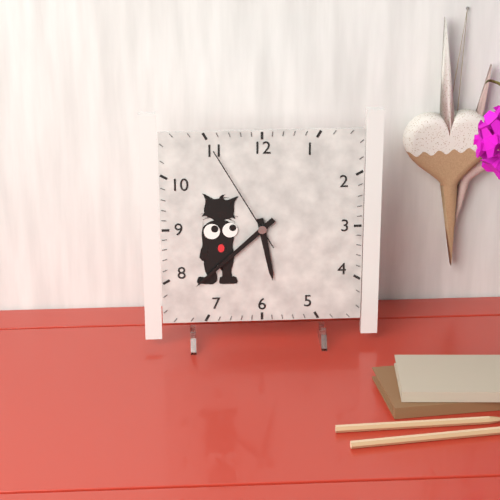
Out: **5:38:55**
